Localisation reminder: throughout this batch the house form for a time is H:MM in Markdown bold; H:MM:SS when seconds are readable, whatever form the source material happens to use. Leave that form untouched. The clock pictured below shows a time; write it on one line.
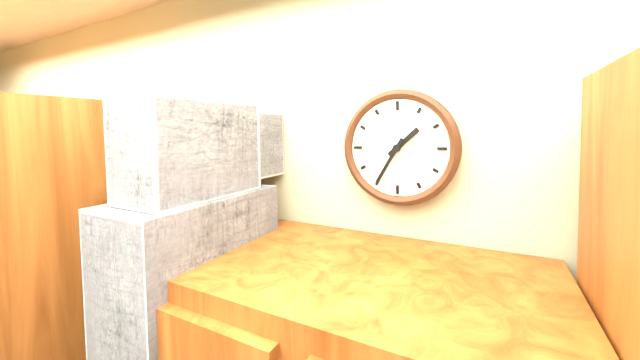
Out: **1:35**
